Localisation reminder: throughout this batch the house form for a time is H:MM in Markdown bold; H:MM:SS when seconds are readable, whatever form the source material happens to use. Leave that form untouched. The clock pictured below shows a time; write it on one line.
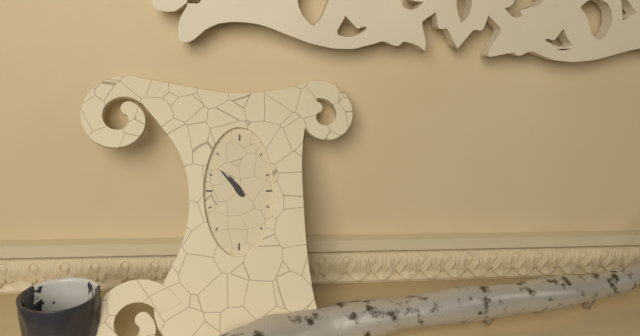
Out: **10:53**
